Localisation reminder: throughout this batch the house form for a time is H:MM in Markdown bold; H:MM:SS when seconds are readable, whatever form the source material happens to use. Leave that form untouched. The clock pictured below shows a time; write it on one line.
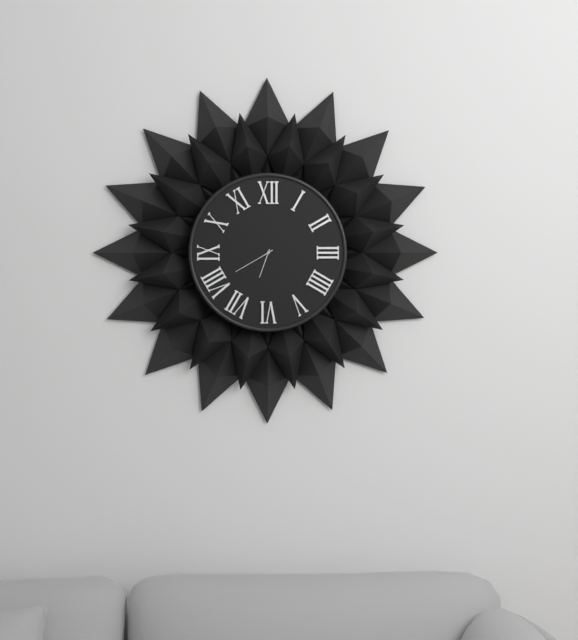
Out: **6:40**
